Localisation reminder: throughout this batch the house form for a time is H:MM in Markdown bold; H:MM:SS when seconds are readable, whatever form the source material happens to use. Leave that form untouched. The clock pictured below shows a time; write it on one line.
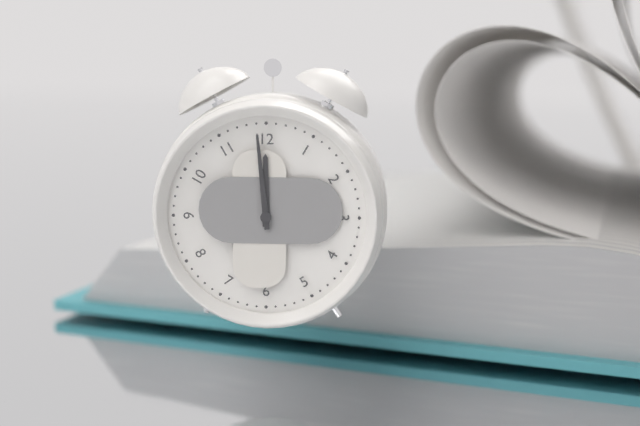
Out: **11:59**
